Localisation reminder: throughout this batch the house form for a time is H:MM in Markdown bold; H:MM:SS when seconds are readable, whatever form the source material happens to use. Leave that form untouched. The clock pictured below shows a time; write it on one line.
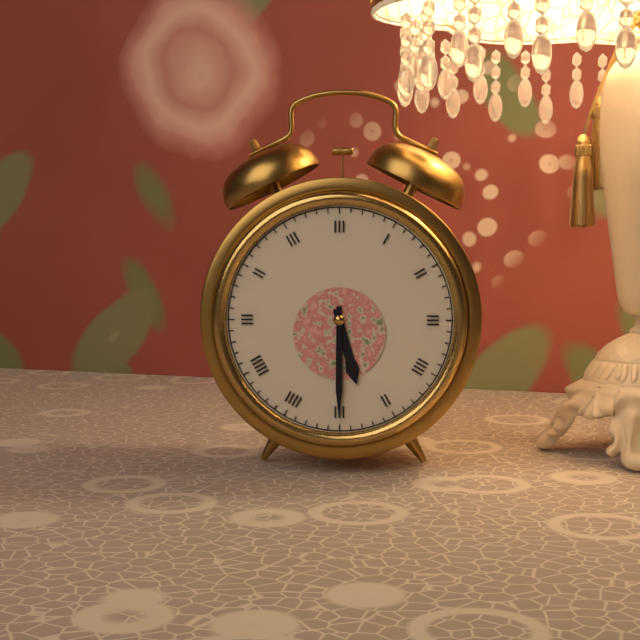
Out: **5:30**
